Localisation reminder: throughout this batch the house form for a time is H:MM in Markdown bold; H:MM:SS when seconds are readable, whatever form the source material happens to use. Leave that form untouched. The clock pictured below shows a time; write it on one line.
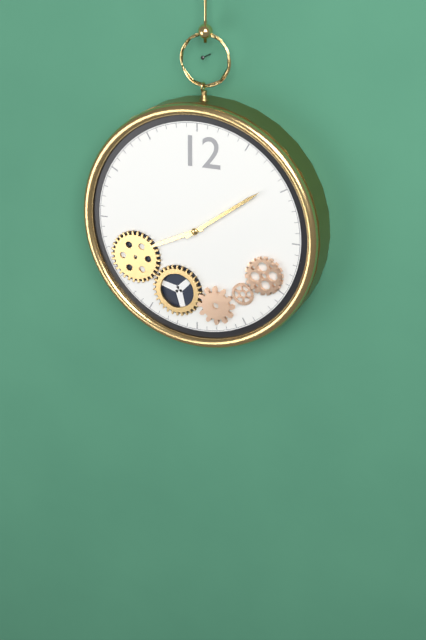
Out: **8:09**
